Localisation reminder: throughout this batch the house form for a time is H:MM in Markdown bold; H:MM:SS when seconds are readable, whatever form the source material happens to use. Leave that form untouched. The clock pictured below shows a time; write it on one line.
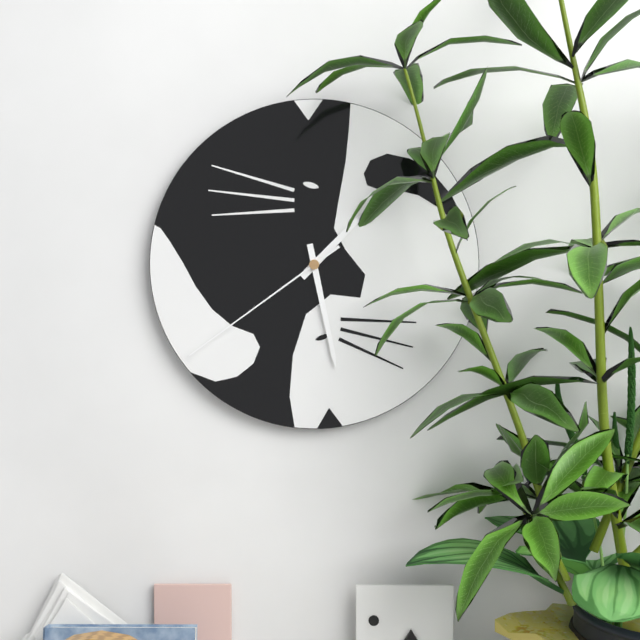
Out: **1:28:39**
